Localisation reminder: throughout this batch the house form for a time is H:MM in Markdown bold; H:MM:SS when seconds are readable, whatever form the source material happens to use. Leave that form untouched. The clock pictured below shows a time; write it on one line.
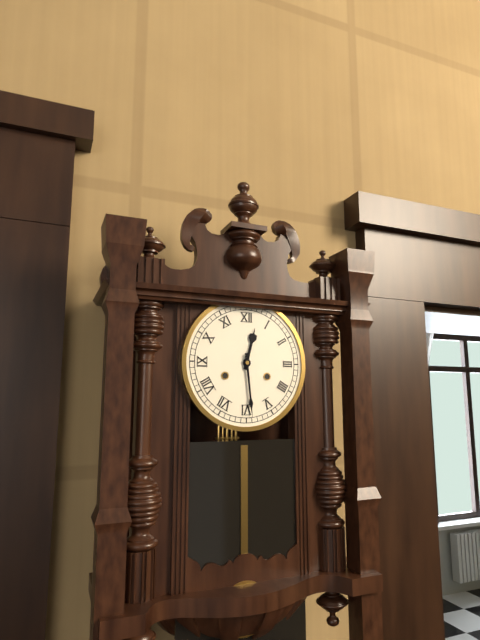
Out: **12:29**
